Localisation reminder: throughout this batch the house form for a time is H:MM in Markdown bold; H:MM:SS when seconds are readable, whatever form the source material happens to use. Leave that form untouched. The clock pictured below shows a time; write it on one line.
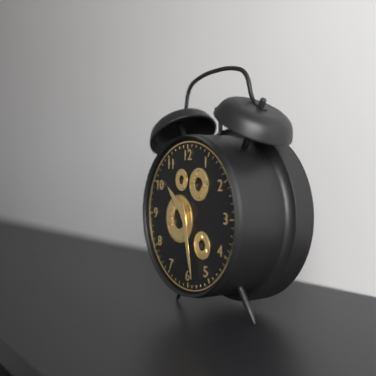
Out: **10:28**
